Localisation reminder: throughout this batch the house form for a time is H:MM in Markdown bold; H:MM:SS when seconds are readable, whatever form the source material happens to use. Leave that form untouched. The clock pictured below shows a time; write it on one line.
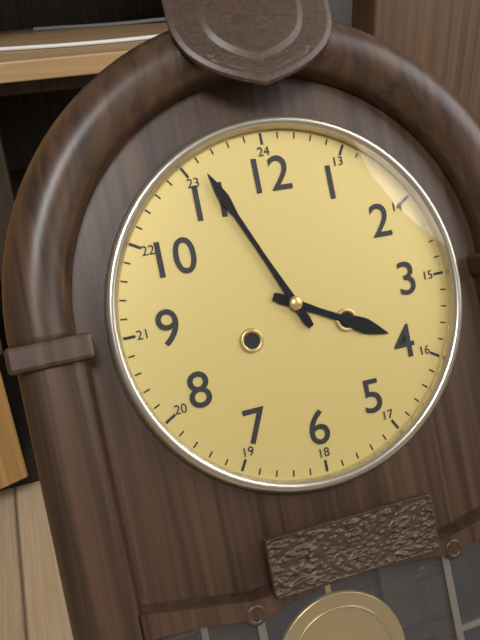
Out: **3:56**
